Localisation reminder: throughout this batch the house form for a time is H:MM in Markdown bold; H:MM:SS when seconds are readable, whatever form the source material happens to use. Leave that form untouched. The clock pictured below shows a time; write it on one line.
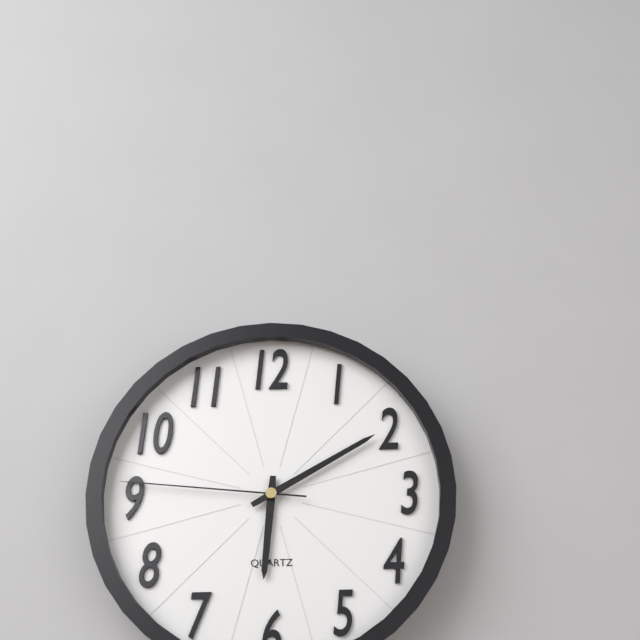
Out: **6:10:46**
